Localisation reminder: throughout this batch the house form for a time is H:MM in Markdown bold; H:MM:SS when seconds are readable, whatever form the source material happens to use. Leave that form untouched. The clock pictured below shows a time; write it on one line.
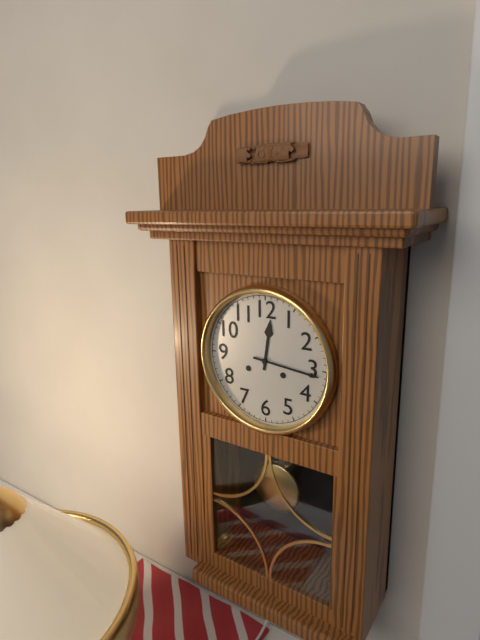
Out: **12:16**
